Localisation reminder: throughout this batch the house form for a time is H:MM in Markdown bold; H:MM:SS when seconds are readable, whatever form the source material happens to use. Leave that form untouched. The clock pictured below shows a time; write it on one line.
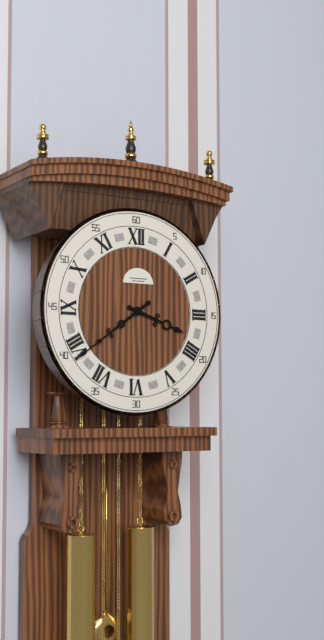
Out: **3:39**
